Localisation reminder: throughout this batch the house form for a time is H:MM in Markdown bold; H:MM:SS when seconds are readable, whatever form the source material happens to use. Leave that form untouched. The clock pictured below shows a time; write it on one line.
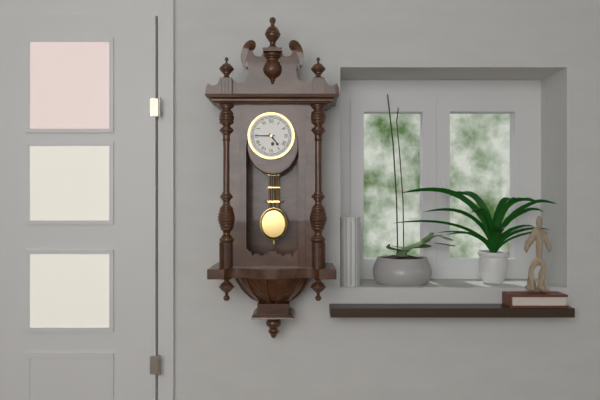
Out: **4:45**
